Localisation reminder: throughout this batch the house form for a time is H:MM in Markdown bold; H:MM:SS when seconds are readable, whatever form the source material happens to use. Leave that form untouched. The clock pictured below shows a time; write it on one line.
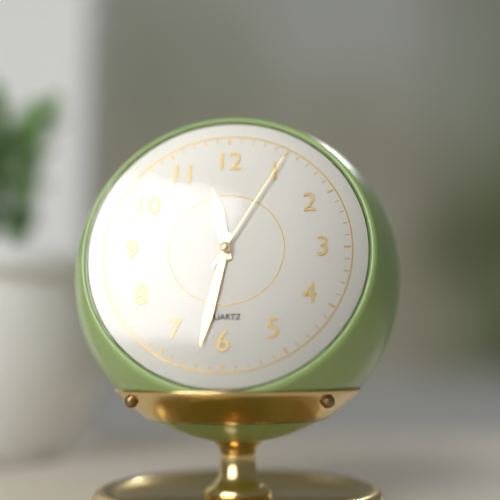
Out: **11:32:05**
